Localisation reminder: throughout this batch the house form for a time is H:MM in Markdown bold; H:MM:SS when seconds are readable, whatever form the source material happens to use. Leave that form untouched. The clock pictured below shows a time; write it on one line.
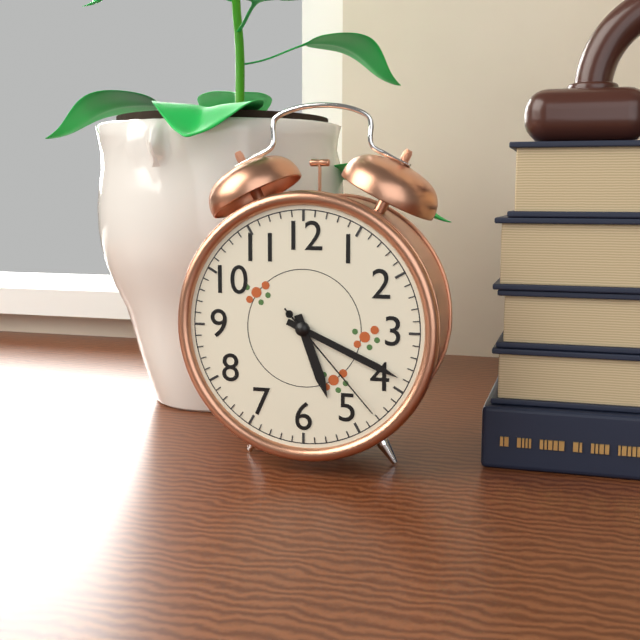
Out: **5:19:23**
